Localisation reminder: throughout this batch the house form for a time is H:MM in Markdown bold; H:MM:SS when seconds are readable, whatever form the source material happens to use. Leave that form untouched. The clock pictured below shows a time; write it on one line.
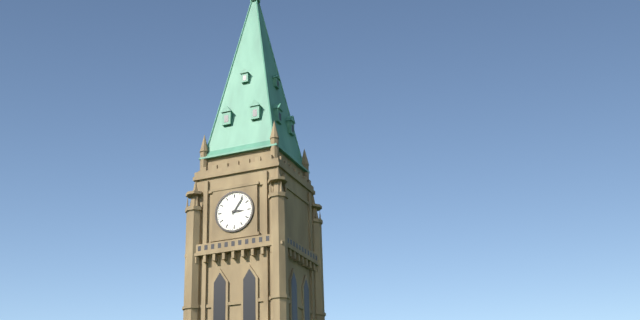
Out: **3:06**
